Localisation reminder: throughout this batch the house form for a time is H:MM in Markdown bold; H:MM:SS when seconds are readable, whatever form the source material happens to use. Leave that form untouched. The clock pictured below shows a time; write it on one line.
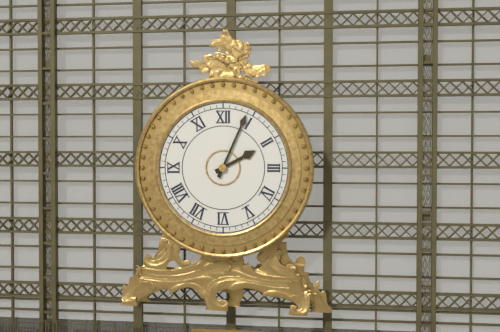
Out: **2:04**
